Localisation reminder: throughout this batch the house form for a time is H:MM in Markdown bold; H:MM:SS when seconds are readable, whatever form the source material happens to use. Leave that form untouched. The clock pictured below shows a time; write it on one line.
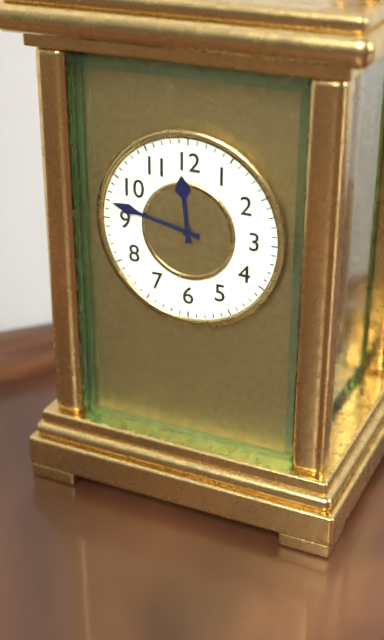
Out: **11:47**
